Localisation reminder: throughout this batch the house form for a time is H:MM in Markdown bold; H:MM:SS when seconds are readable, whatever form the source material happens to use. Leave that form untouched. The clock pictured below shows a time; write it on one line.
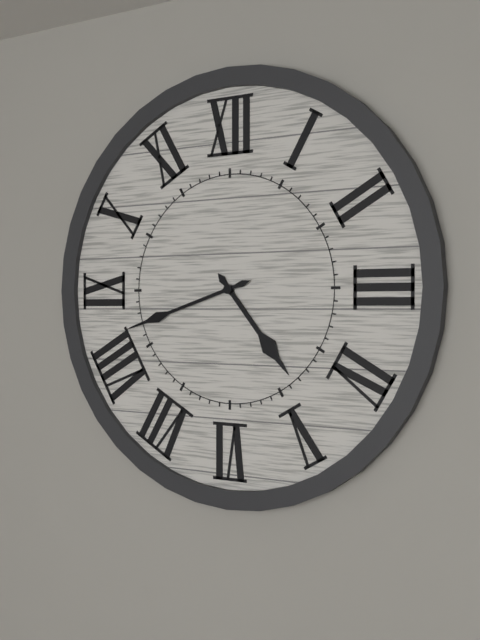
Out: **4:42**
